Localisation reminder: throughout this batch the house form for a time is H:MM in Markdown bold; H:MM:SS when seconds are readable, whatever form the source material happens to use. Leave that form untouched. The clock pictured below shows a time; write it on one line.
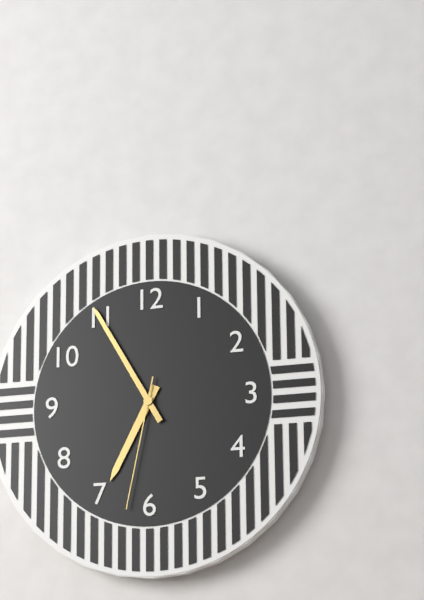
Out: **6:55:32**
